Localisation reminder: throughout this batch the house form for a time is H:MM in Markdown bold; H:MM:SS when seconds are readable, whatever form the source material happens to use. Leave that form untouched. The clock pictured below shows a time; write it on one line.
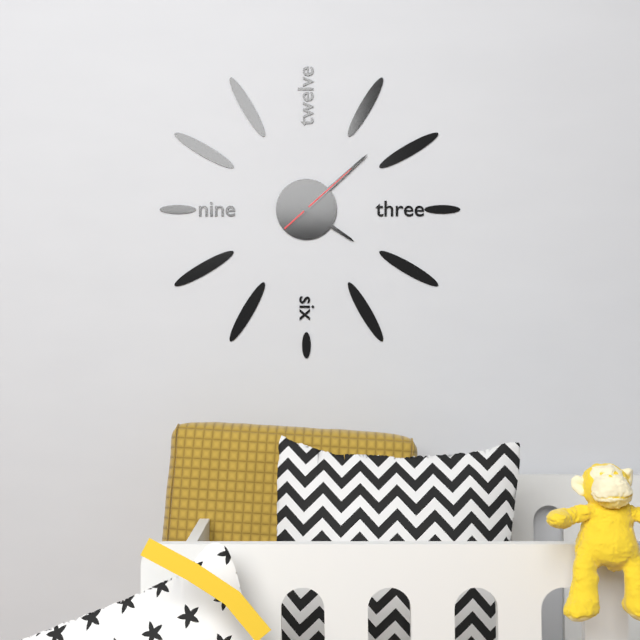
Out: **4:08:08**
